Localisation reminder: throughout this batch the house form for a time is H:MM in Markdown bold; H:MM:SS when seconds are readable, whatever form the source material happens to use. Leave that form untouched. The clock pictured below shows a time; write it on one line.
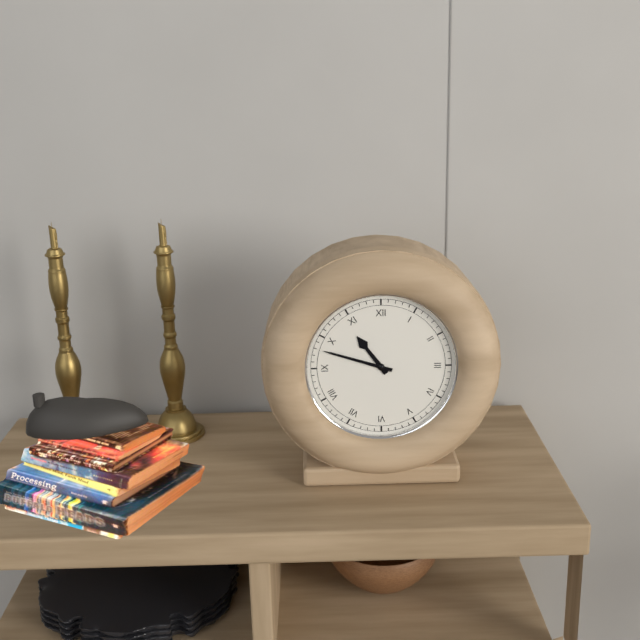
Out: **10:48**
